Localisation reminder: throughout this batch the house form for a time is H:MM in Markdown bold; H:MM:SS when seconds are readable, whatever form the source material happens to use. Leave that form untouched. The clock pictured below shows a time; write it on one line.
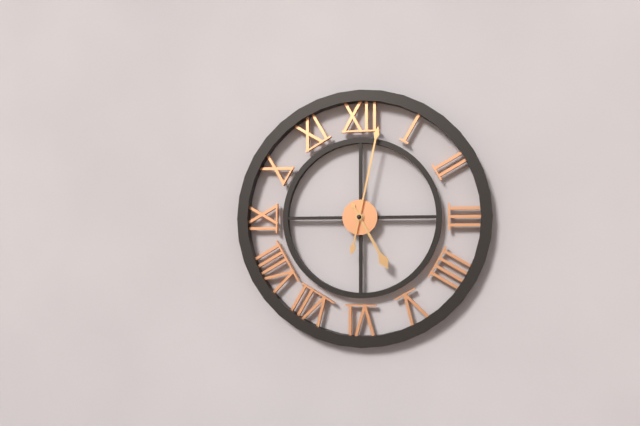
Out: **5:02**
